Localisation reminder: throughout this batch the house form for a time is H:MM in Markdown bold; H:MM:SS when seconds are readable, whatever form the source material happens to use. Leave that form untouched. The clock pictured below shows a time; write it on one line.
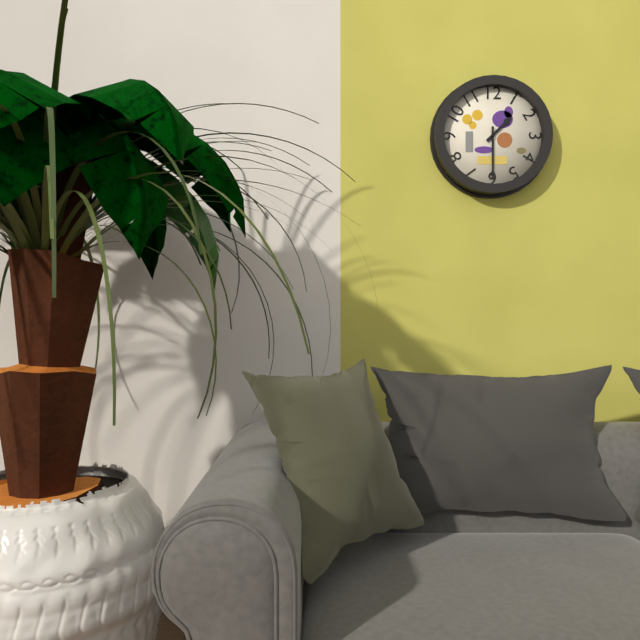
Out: **1:30**
